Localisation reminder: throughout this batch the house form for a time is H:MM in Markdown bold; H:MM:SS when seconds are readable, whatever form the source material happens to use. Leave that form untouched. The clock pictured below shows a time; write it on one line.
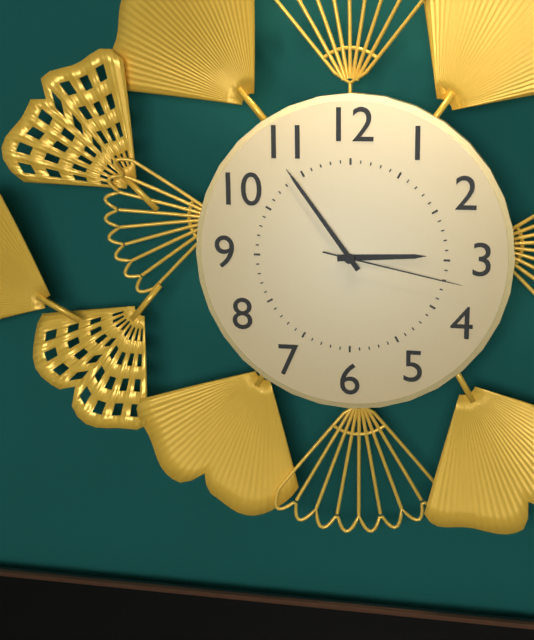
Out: **2:54:17**
